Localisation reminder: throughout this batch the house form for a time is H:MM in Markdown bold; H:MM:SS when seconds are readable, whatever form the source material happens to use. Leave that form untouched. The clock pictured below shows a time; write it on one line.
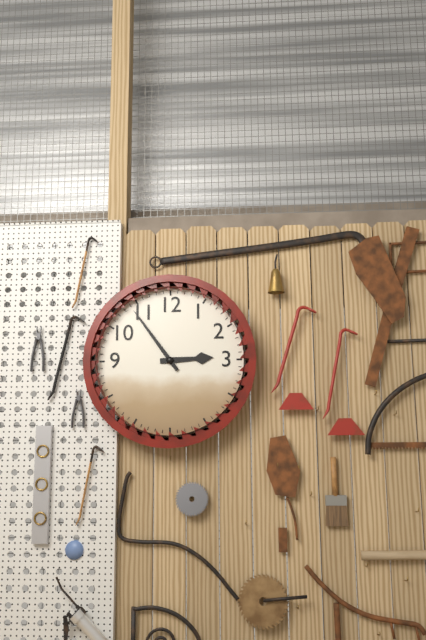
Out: **2:54**
